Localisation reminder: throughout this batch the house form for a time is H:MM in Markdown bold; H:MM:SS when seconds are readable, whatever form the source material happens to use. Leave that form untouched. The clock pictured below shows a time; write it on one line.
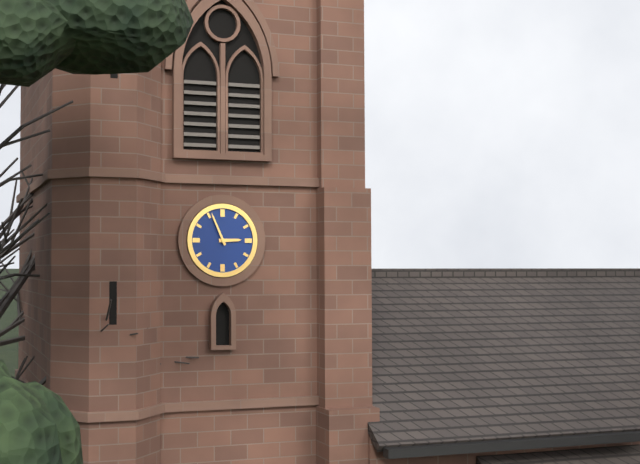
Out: **2:56**
